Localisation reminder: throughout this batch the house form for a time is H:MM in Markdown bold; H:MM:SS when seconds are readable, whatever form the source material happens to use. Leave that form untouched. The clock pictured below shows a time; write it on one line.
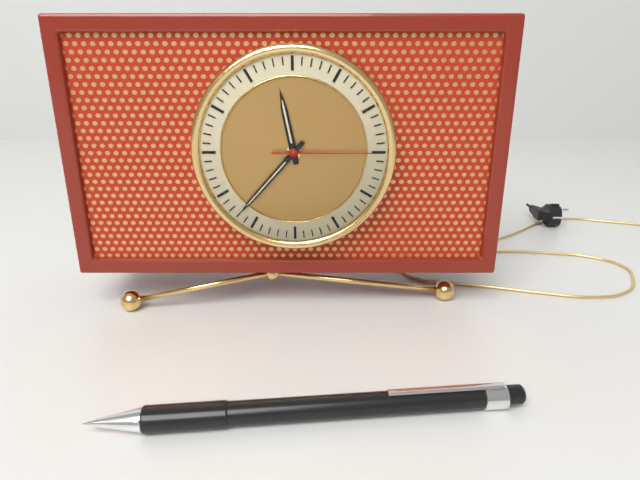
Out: **11:37:15**
